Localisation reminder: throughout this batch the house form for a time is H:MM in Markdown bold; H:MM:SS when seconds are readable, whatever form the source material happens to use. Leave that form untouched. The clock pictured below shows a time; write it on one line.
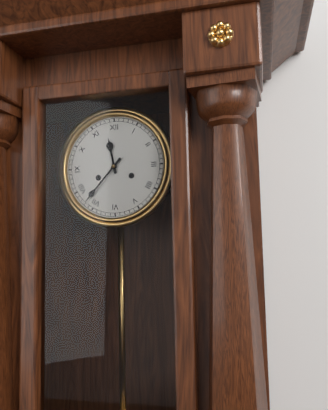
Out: **11:37**
